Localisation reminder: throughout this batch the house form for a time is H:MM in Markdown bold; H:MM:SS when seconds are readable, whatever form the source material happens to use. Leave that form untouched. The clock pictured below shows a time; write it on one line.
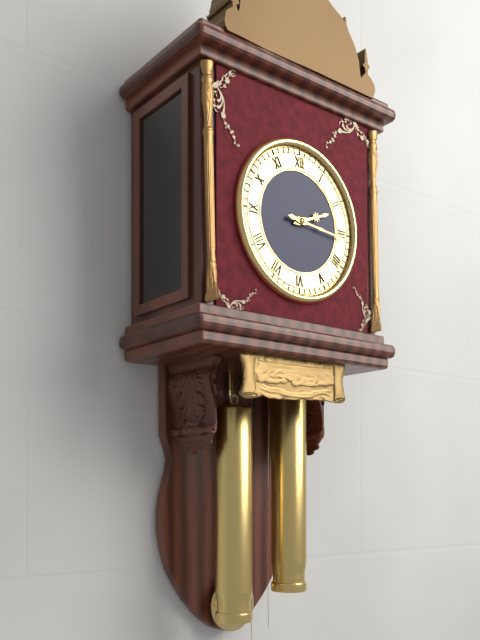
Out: **2:16**
